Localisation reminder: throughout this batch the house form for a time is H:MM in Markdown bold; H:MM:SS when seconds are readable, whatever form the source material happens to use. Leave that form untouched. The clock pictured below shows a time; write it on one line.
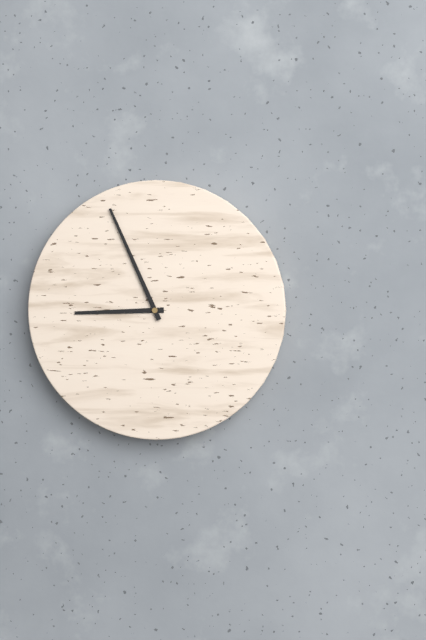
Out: **8:56**
